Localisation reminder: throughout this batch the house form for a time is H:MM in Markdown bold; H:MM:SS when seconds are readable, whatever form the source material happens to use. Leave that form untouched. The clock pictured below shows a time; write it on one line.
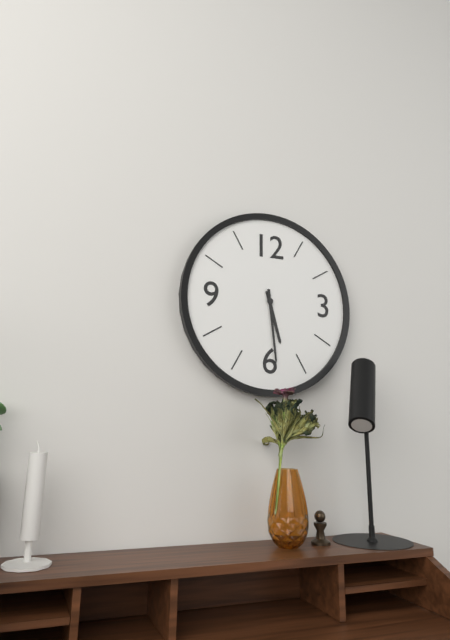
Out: **5:29**
